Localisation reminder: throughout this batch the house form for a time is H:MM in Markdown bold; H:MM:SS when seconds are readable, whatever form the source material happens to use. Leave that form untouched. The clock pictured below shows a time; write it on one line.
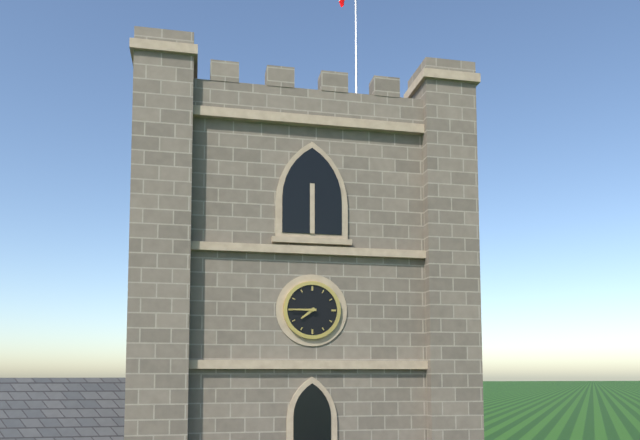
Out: **7:45**
